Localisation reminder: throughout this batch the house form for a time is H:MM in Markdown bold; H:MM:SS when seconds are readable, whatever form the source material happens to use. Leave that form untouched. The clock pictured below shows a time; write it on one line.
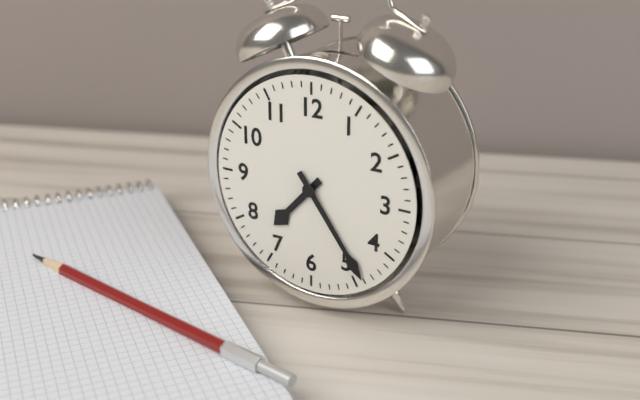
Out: **7:24**
